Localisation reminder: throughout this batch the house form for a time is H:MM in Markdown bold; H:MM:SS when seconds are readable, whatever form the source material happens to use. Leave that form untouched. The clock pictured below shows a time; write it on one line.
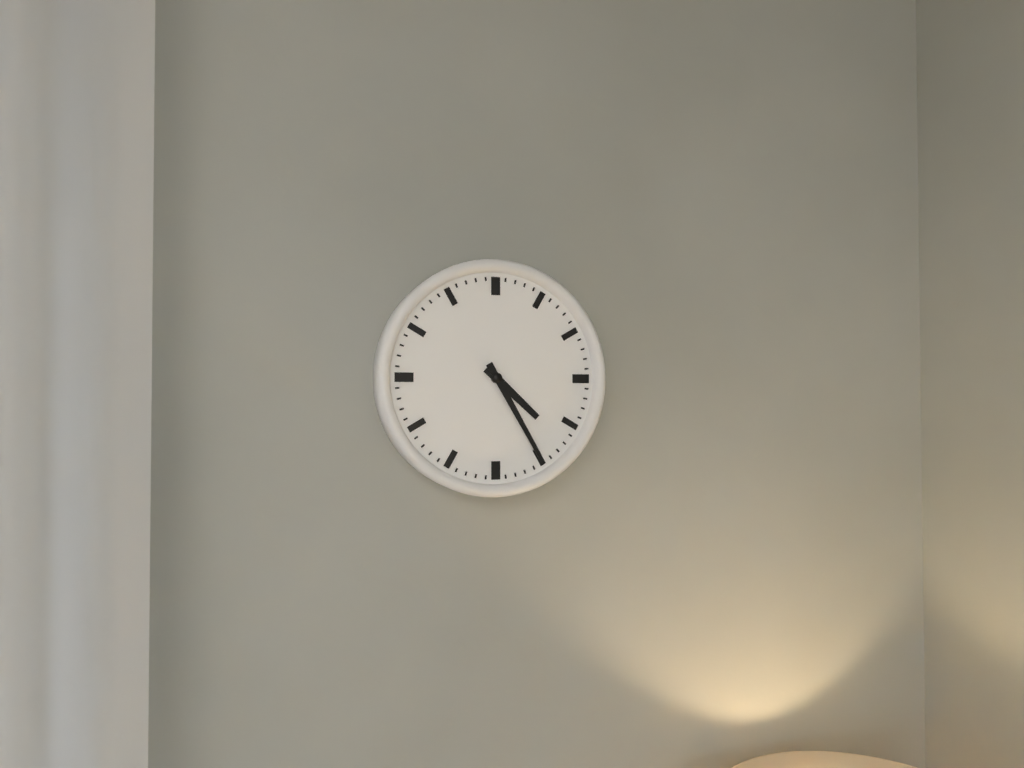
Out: **4:25**
